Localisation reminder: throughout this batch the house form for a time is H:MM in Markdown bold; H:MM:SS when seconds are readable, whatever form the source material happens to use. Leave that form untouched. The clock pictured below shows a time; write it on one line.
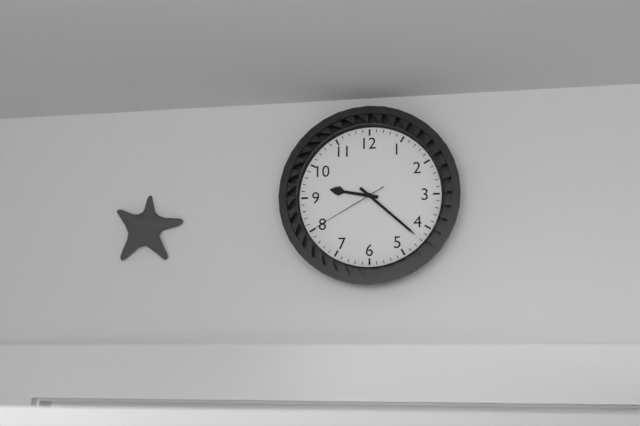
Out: **9:22:40**
